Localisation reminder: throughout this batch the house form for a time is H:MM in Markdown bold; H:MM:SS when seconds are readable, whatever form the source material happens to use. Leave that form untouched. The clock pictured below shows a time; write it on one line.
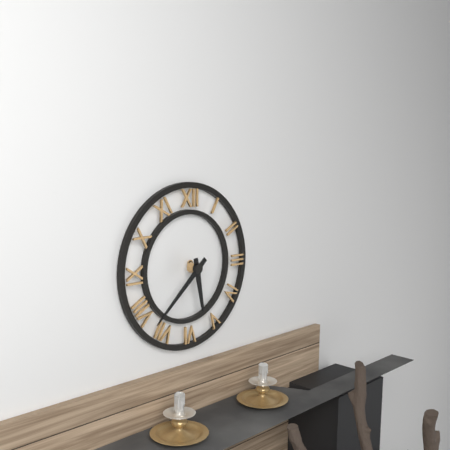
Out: **5:38**
